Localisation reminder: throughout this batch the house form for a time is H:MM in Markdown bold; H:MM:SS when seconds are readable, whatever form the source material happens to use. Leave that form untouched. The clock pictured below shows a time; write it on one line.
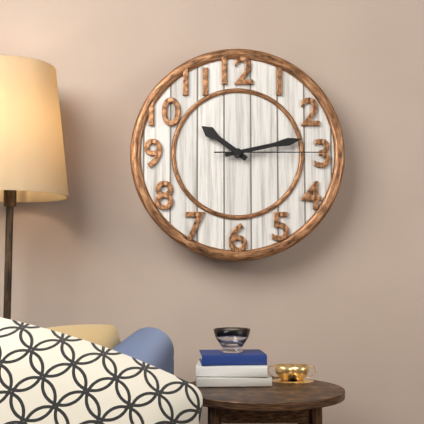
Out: **10:13:15**
